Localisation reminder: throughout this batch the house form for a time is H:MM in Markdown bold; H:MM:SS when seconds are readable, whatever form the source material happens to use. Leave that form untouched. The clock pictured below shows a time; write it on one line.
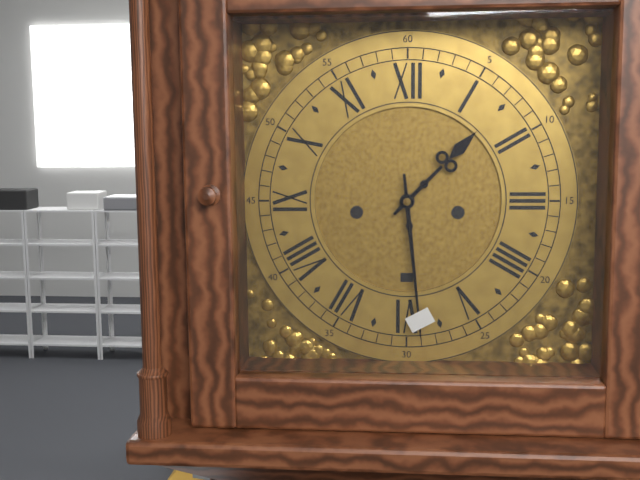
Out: **1:29**
